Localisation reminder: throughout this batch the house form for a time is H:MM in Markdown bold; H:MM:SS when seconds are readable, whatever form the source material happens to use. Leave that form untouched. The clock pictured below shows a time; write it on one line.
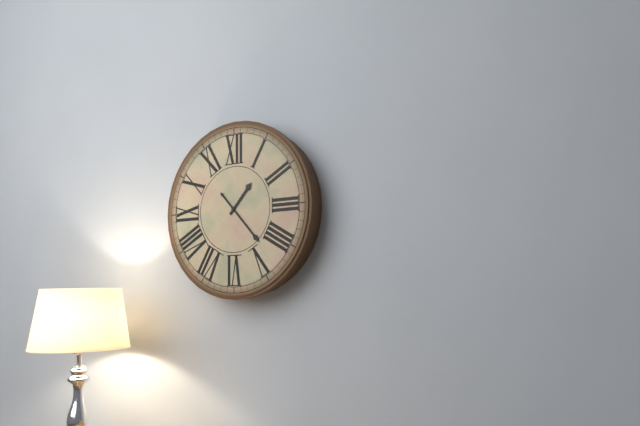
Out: **1:23**
